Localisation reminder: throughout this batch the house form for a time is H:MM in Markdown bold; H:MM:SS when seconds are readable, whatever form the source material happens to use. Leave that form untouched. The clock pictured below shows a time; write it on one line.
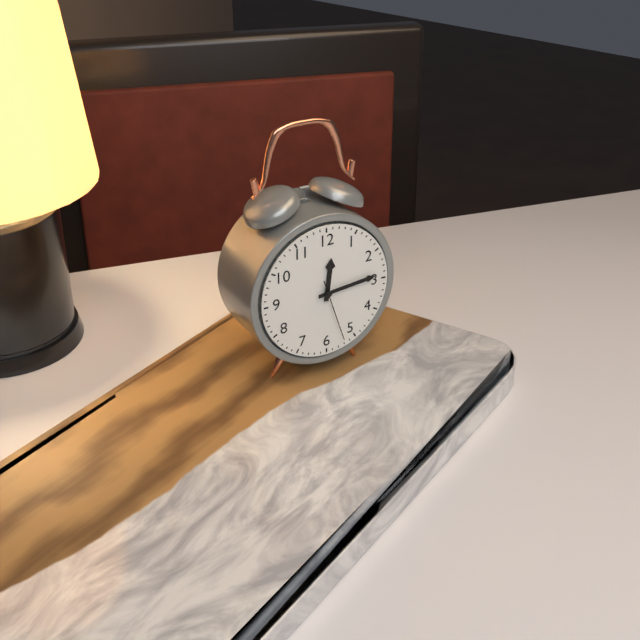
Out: **12:14:27**
